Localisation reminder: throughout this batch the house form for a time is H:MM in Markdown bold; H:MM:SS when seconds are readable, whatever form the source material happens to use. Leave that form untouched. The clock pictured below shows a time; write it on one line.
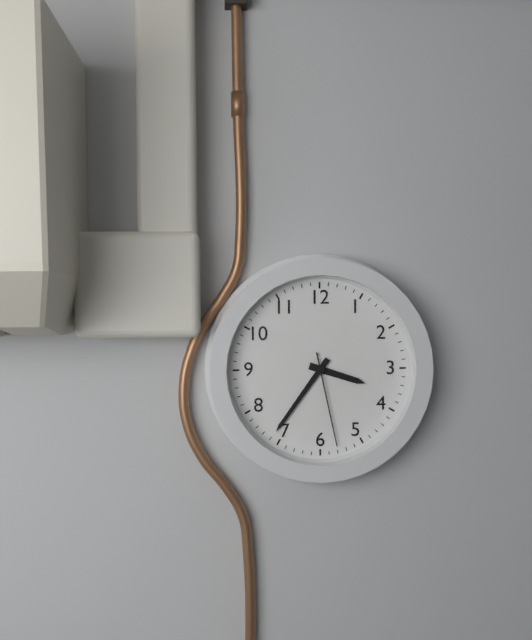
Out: **3:36:28**
